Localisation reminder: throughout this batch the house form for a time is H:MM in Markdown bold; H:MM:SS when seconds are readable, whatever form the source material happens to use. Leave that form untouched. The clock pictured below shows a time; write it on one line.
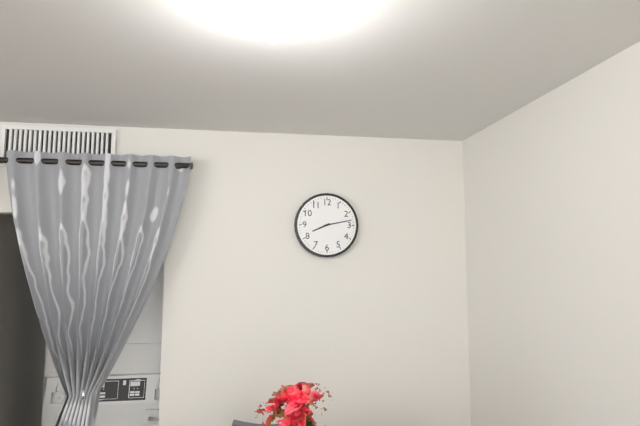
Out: **8:13**
